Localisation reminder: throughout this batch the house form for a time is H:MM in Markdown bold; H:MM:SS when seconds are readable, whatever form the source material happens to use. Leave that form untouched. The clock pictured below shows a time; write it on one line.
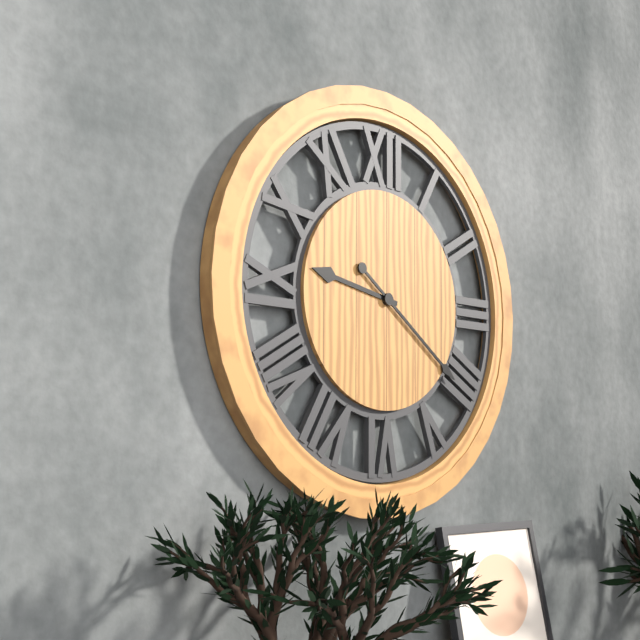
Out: **9:21**
